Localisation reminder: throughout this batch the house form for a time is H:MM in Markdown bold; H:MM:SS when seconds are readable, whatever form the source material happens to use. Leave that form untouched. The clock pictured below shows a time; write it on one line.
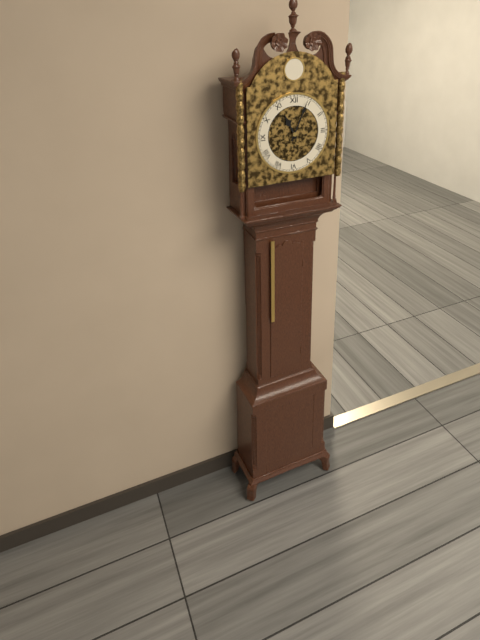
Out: **11:04**
